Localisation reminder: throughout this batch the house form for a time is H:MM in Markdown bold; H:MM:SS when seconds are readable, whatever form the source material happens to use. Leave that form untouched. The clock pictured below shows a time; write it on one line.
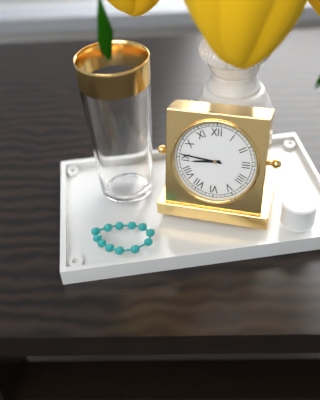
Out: **8:46**
